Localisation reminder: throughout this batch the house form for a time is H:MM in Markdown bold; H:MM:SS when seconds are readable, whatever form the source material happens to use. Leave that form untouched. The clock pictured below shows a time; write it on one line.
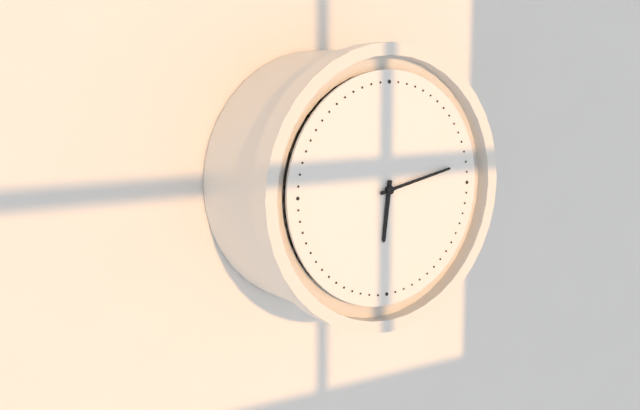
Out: **6:13**
